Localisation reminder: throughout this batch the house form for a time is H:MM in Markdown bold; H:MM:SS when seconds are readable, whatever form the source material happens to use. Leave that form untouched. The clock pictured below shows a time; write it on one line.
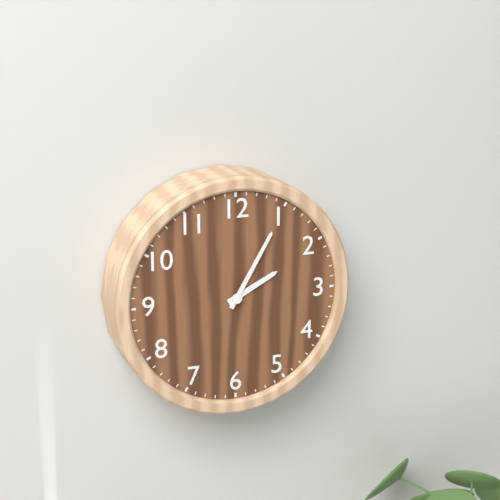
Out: **2:05**
